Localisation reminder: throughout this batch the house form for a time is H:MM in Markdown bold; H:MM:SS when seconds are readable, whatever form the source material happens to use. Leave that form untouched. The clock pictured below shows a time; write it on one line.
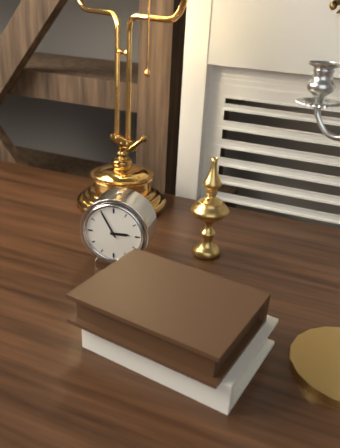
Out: **2:55**
